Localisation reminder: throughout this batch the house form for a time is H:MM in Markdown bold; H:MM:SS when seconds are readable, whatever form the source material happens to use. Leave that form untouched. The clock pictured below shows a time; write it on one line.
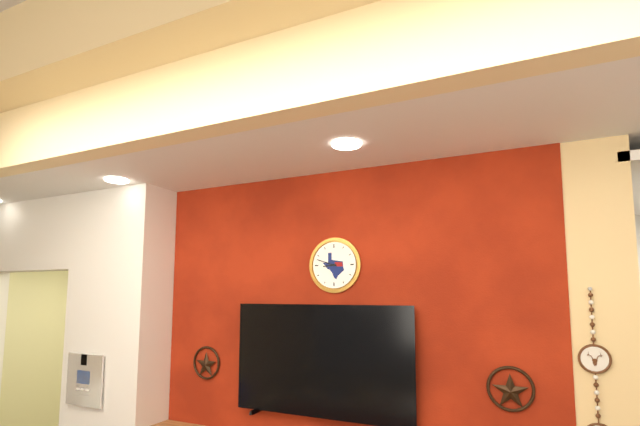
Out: **8:48**
